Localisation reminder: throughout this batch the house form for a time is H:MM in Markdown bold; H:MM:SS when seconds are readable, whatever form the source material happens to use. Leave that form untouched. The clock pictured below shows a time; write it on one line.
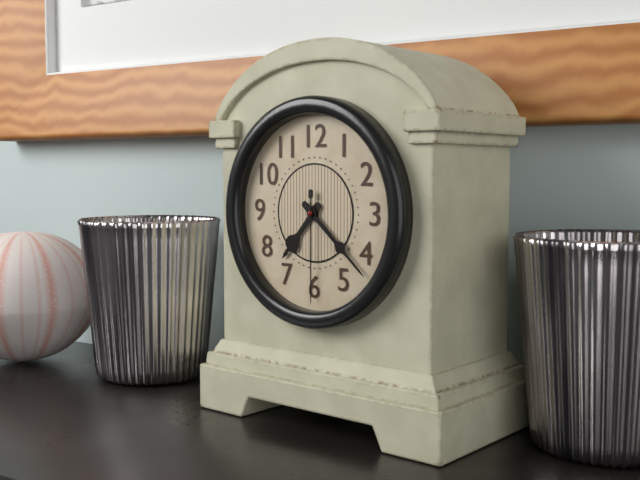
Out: **7:22:30**
